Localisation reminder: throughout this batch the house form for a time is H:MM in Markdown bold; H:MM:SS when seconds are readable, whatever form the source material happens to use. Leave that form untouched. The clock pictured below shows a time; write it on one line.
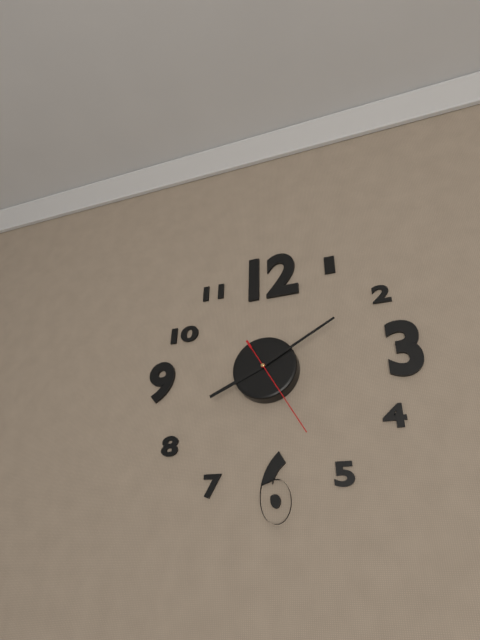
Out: **8:10:25**
